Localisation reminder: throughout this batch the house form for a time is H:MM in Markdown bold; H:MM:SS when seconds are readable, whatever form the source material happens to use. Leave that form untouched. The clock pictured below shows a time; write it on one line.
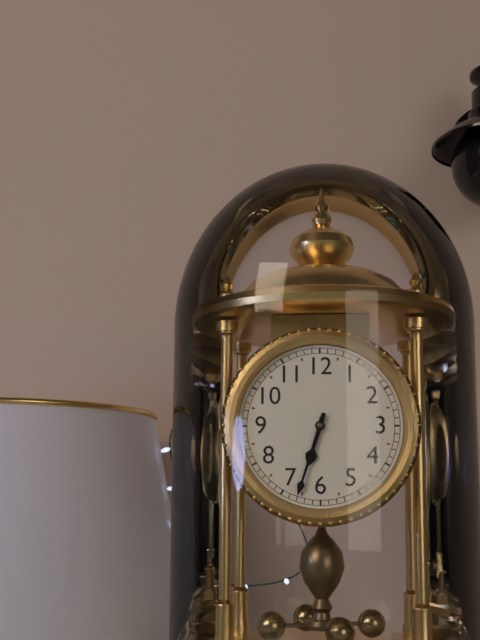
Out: **6:33**
